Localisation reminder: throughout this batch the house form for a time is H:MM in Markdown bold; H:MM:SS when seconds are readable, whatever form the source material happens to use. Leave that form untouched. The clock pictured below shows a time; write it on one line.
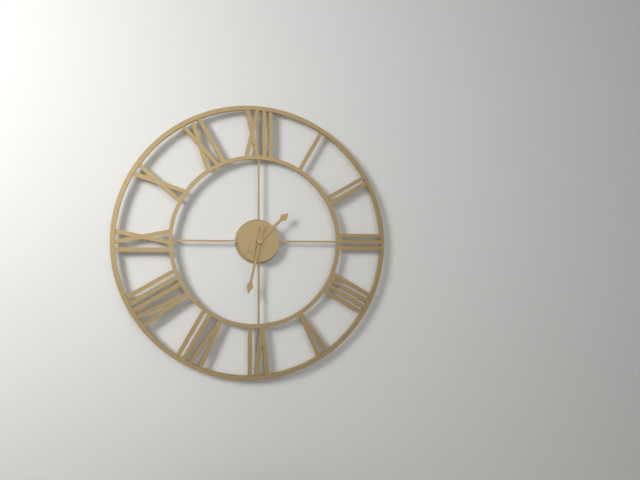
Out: **1:32**
